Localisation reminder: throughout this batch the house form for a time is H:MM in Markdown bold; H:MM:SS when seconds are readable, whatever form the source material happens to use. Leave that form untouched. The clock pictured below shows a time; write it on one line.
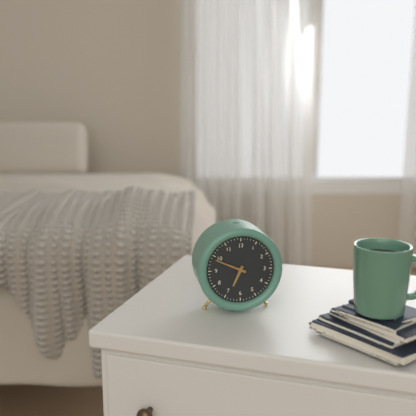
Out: **6:49**
